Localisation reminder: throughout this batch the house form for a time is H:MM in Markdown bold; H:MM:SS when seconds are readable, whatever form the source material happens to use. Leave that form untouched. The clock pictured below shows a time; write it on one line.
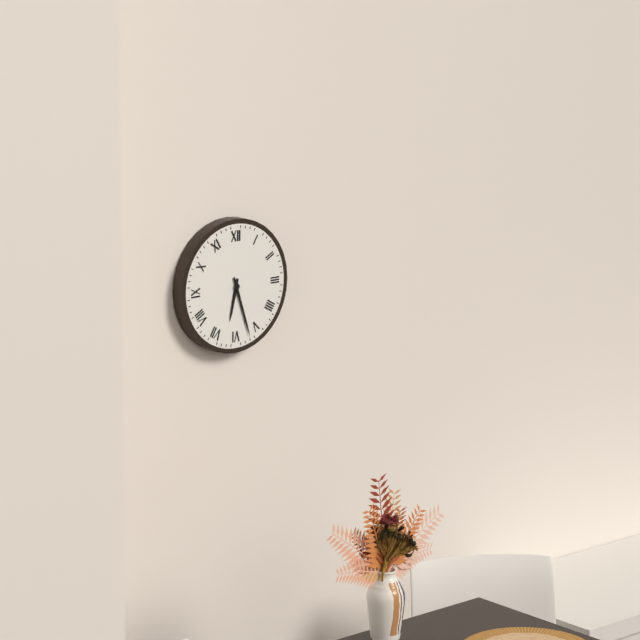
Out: **6:27**
